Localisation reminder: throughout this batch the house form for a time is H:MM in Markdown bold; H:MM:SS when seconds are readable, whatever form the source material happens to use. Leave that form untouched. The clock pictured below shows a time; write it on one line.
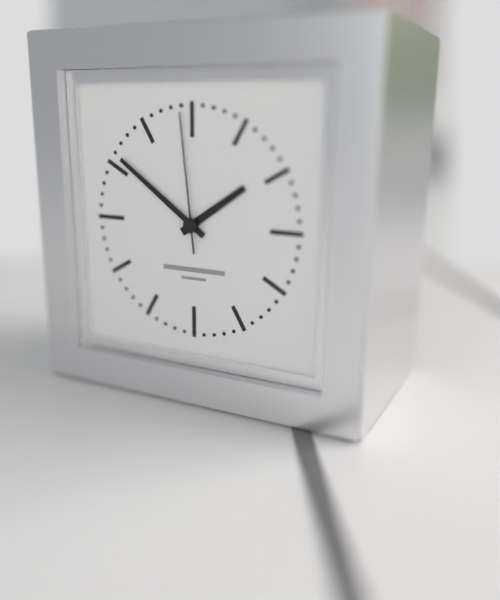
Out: **1:51:59**
